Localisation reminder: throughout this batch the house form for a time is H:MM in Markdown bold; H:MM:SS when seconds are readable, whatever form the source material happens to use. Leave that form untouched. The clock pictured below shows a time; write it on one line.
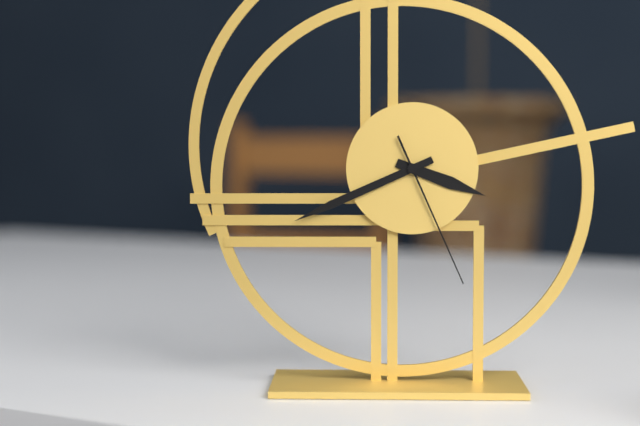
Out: **3:41:26**
